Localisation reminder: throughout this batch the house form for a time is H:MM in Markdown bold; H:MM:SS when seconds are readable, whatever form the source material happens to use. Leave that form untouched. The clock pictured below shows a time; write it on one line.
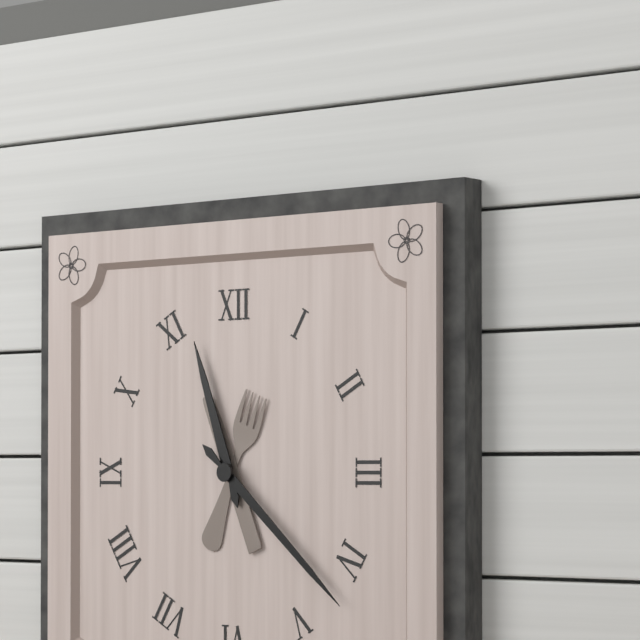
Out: **11:22**
